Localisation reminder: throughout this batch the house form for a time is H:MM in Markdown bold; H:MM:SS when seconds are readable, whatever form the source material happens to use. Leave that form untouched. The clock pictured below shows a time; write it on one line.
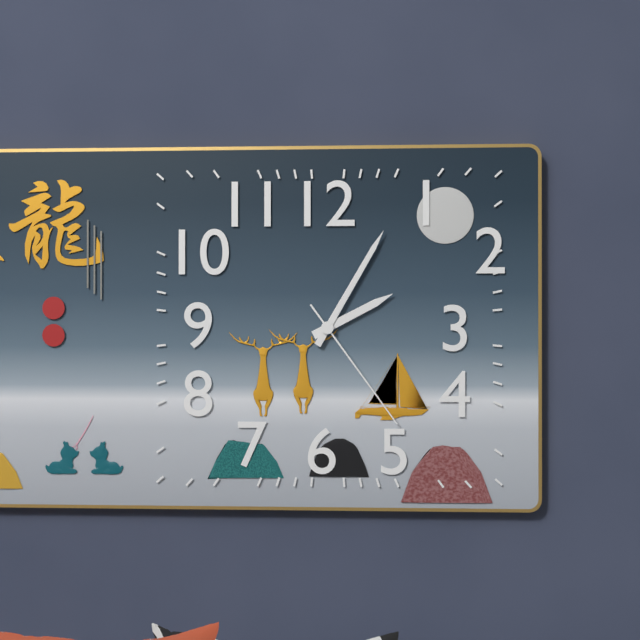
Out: **2:05:24**
